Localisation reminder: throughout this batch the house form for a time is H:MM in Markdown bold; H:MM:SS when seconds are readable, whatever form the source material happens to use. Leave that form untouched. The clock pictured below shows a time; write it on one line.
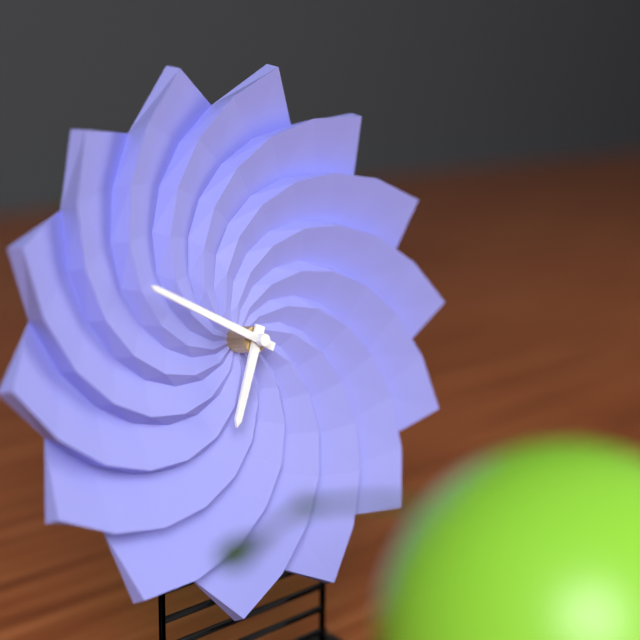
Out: **6:50**
